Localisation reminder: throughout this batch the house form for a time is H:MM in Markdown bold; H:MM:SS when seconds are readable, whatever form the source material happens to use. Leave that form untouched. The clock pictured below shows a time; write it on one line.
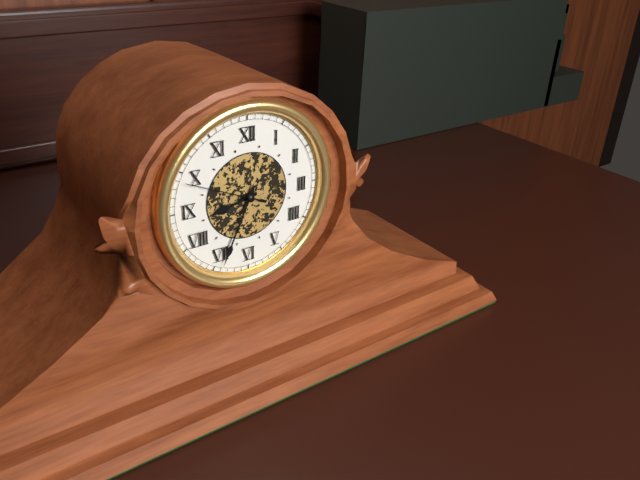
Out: **8:34:49**
